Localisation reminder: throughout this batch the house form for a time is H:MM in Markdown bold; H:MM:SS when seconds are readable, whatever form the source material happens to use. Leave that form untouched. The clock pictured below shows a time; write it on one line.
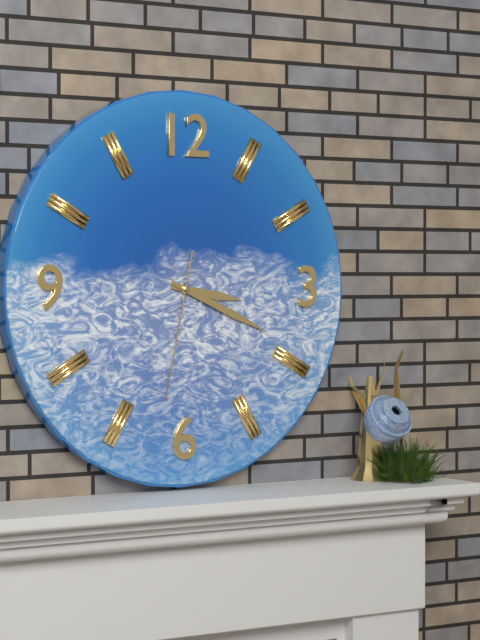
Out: **3:19:32**
